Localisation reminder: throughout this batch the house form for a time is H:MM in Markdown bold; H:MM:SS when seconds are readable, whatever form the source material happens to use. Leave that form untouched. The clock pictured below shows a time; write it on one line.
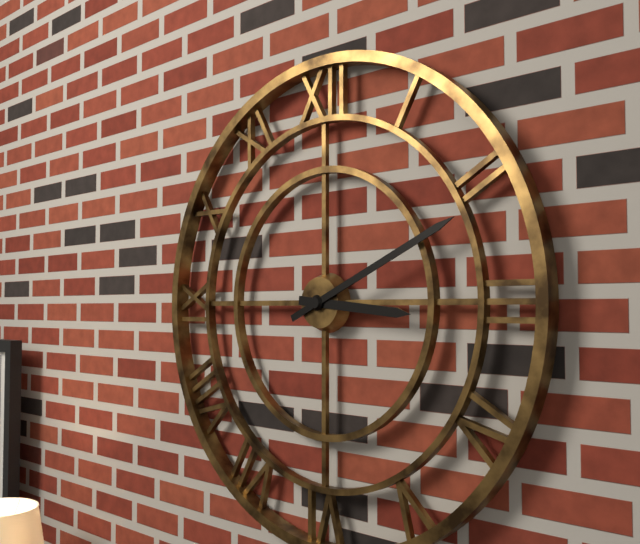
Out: **3:11**
